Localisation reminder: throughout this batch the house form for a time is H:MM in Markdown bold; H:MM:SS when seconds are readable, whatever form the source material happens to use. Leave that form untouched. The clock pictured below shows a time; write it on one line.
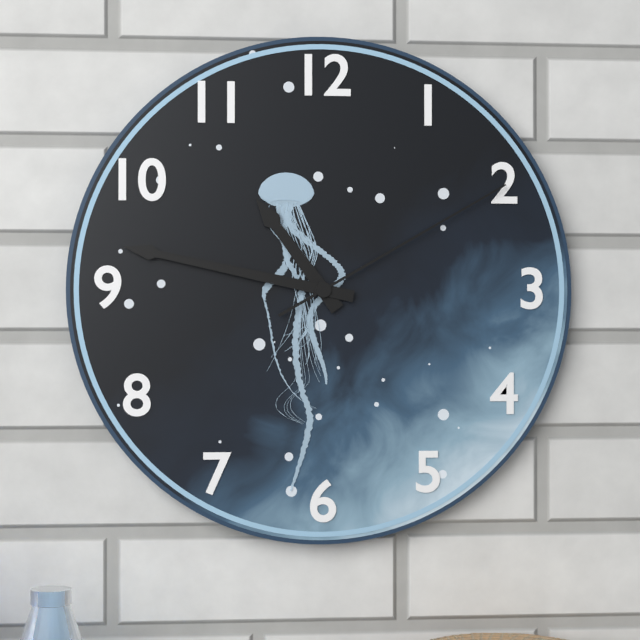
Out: **10:47:10**
